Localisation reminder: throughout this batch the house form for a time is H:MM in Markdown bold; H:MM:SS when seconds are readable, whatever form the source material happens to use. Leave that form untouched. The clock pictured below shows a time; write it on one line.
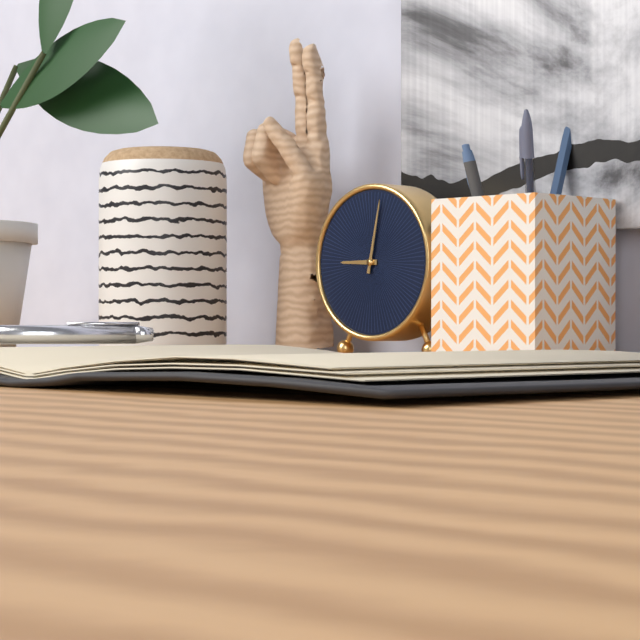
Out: **9:02**
